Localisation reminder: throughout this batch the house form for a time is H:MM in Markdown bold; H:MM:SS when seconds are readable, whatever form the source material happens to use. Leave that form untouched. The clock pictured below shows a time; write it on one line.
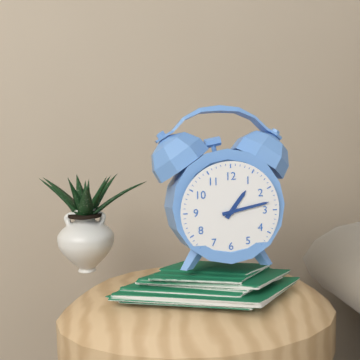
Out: **1:13**
